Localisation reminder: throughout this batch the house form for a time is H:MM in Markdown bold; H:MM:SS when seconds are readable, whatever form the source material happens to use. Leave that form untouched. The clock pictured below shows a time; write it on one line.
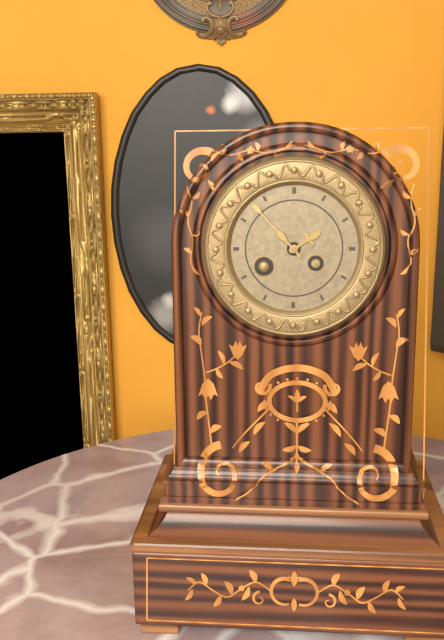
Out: **1:53**
